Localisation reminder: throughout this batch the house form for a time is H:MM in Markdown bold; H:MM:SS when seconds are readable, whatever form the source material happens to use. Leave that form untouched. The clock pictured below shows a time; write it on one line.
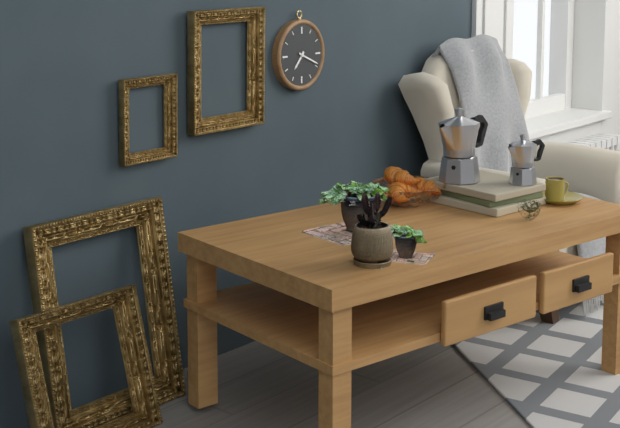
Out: **7:19**
